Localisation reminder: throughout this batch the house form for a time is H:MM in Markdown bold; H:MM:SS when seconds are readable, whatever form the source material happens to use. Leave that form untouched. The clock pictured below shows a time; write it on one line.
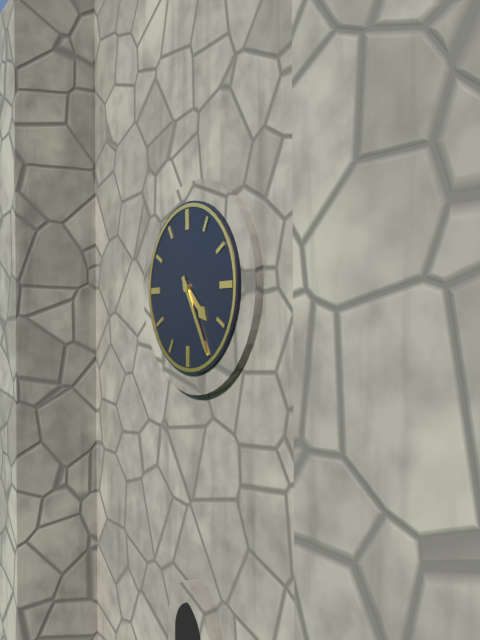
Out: **4:25**
